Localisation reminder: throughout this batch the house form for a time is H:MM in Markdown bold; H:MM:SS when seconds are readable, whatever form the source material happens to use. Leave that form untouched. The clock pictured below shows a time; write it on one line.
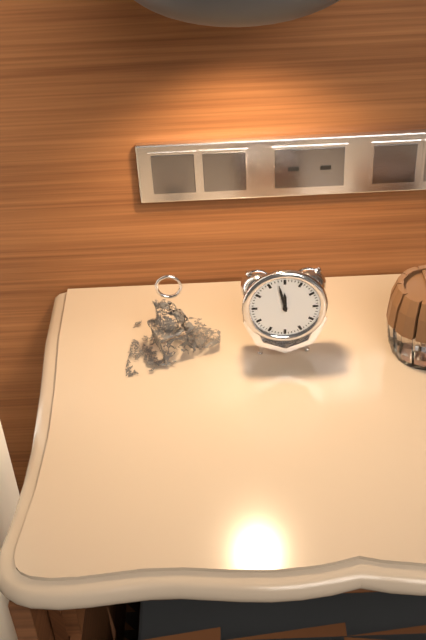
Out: **11:58**
